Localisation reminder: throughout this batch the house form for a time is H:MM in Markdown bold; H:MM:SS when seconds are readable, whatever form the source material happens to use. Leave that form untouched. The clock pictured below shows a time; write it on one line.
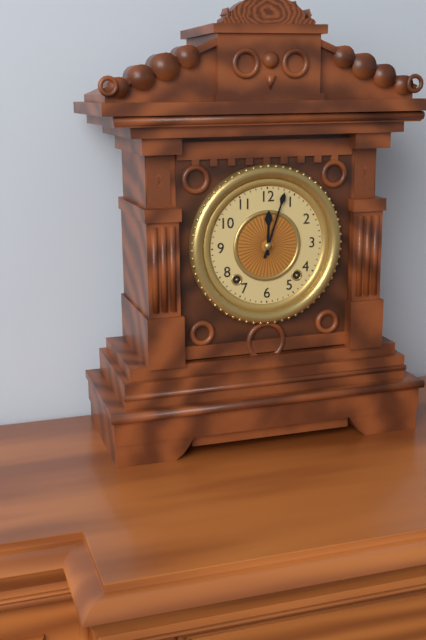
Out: **12:03**
